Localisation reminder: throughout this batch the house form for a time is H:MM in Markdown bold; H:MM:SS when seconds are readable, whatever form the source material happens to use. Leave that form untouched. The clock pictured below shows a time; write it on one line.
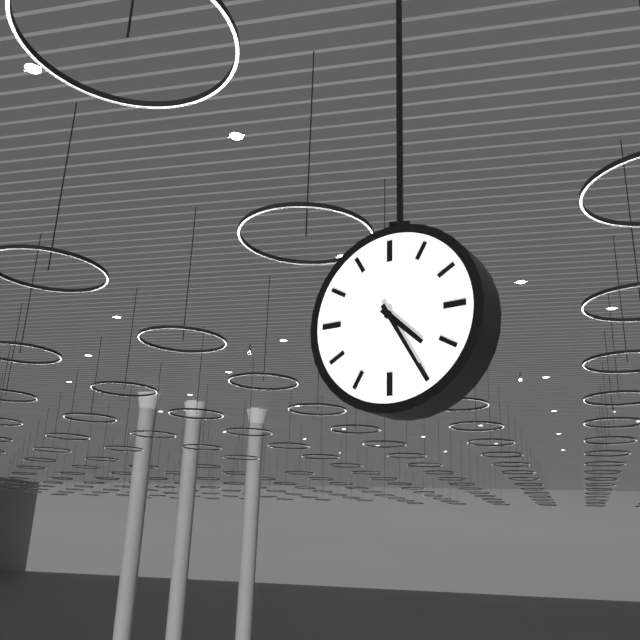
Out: **4:25**
